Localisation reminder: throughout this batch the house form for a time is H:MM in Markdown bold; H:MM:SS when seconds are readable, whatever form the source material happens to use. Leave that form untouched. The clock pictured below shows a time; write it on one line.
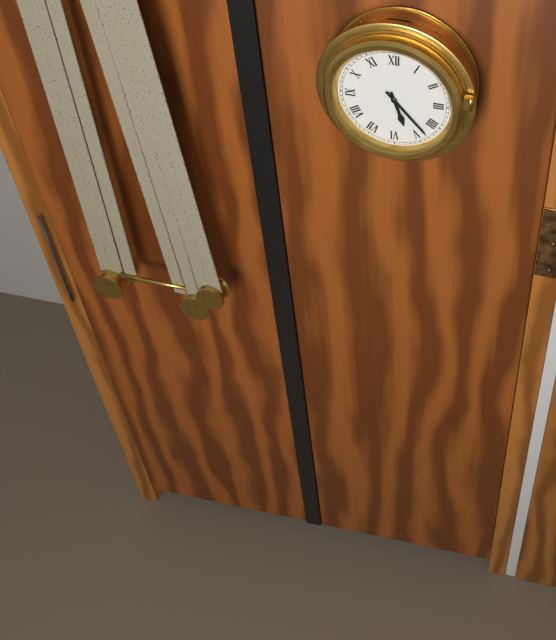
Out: **5:23**
